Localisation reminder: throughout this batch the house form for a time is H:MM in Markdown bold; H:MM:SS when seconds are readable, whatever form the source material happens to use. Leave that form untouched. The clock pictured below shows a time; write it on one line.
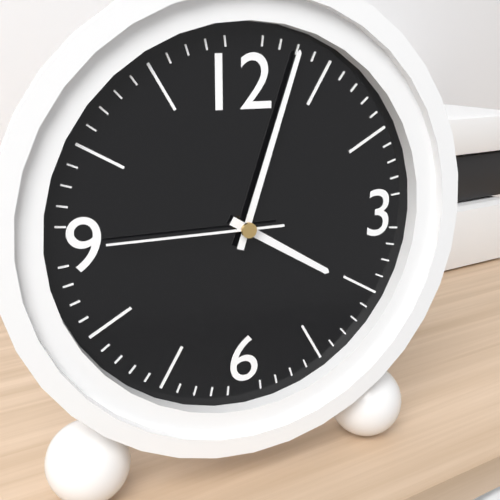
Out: **4:03:45**
